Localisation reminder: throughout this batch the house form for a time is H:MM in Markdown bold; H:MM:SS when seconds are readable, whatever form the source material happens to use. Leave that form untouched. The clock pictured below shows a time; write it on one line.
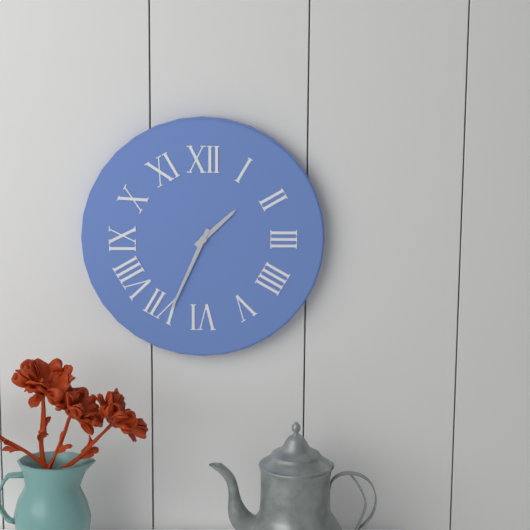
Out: **1:34**
